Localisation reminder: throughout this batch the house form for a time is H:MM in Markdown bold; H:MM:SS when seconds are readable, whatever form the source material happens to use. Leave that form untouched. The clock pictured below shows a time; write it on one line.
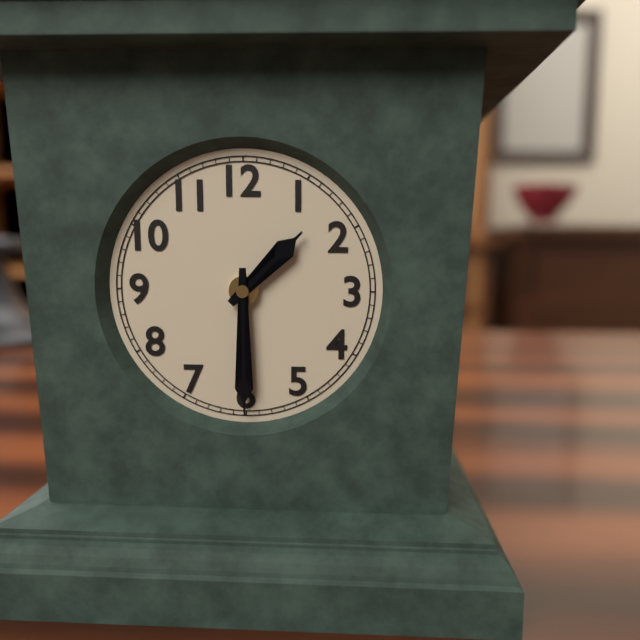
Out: **1:30**
